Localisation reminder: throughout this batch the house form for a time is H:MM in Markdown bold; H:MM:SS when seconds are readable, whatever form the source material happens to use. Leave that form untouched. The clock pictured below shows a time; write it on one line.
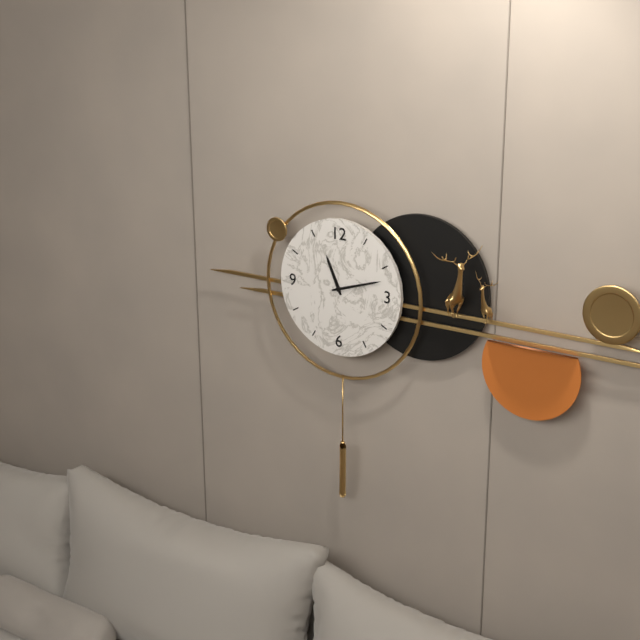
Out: **11:12**
